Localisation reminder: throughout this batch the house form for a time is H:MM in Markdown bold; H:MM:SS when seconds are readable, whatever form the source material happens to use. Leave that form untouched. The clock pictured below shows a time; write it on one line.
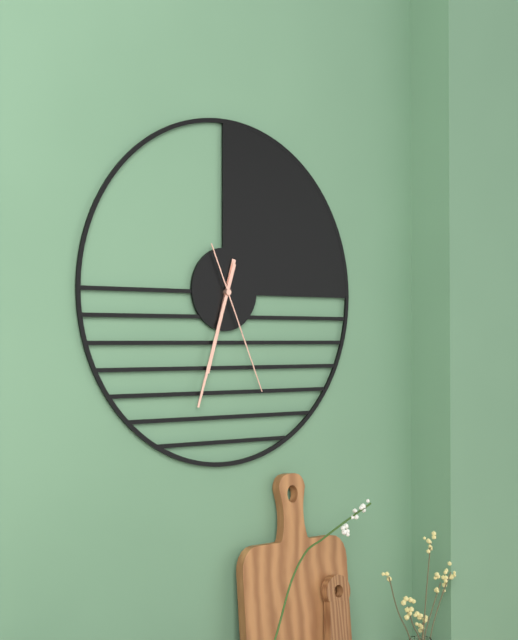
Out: **6:33:26**
